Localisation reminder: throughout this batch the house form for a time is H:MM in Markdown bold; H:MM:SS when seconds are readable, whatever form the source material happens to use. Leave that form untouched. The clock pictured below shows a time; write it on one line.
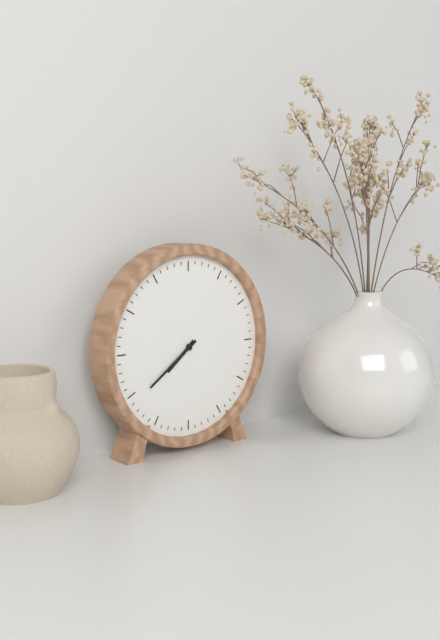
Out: **7:39**
